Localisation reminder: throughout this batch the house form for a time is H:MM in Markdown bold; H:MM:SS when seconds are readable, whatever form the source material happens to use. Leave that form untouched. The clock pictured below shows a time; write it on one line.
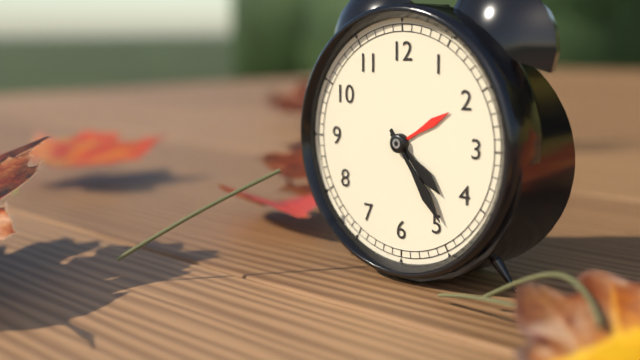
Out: **4:24**
